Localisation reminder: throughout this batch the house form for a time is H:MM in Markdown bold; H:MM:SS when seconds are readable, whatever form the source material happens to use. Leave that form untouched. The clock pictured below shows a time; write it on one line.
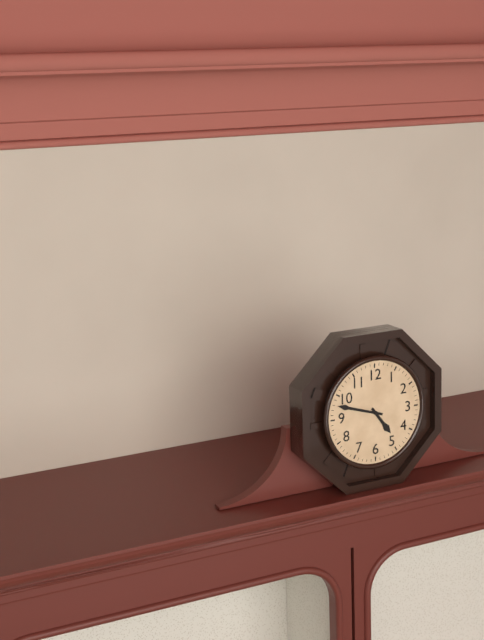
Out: **4:48**
